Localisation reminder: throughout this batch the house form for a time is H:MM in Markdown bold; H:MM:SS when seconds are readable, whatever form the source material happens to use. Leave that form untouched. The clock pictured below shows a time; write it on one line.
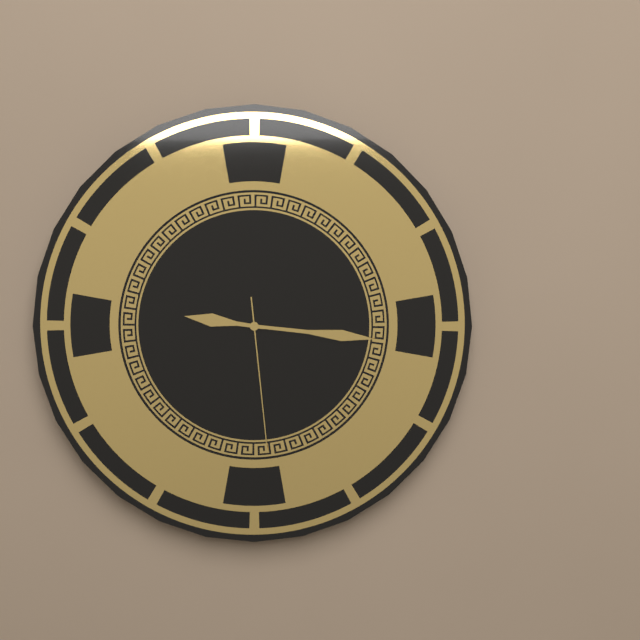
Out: **9:16:29**
